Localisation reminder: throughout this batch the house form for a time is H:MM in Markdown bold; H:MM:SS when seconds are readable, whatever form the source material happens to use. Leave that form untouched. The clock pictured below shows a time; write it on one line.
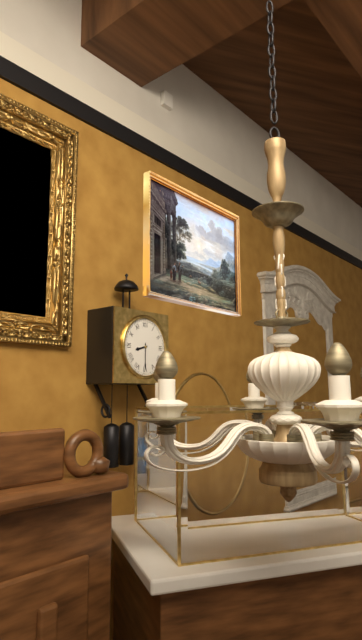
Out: **8:30**
